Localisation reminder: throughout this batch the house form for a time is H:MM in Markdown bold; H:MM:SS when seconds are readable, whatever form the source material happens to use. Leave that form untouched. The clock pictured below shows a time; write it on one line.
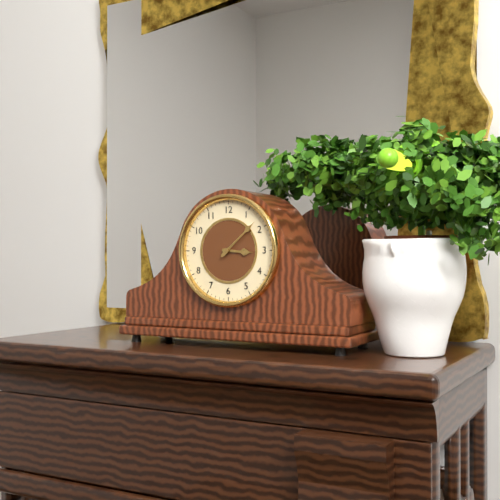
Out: **3:08**
